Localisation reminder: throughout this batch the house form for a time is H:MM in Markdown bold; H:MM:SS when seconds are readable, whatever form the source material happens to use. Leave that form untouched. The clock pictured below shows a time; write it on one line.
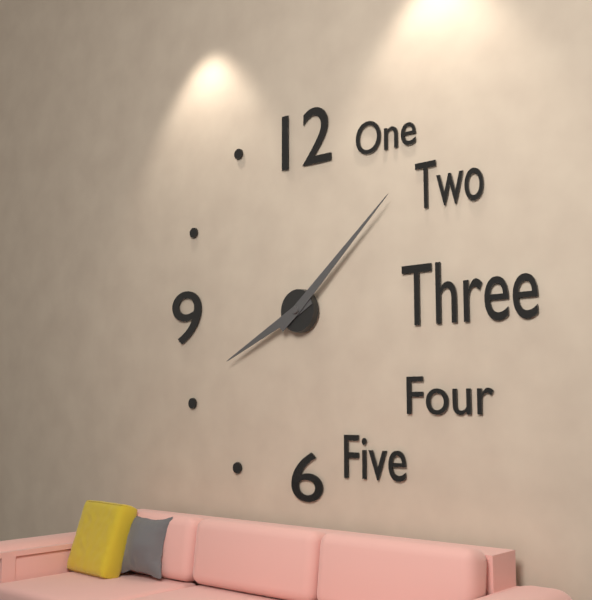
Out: **8:08**
